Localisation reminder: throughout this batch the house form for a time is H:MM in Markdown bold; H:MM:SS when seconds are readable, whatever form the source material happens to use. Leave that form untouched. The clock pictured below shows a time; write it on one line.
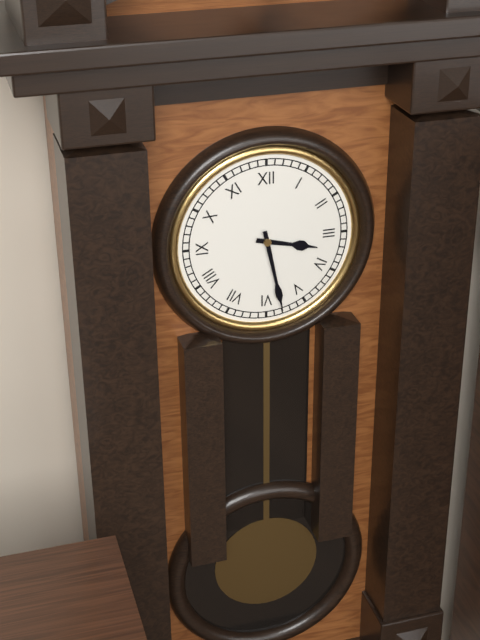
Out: **3:28**
